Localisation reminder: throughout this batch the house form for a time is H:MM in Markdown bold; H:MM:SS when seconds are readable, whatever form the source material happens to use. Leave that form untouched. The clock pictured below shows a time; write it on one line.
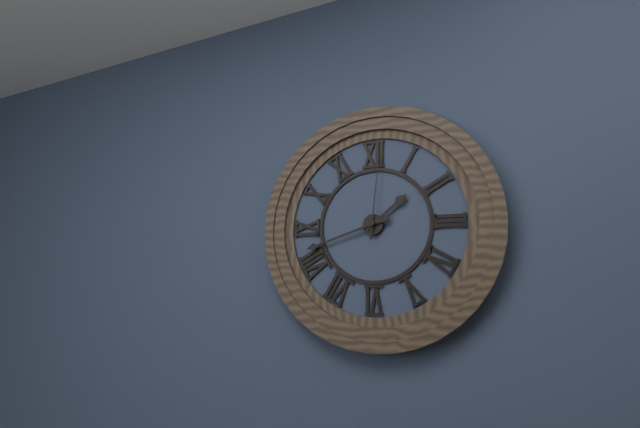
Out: **1:42:01**
